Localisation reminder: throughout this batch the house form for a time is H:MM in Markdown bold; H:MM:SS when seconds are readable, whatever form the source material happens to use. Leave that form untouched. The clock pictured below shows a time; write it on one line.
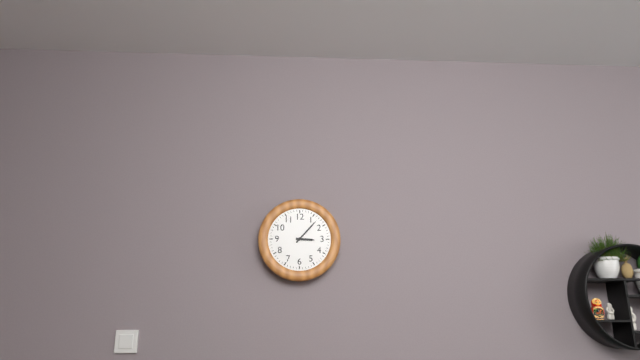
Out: **3:07**
